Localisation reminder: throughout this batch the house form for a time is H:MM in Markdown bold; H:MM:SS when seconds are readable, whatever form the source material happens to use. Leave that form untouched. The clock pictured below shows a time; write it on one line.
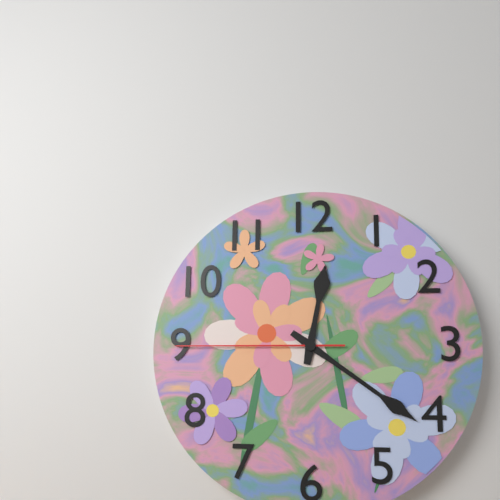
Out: **12:21:45**
